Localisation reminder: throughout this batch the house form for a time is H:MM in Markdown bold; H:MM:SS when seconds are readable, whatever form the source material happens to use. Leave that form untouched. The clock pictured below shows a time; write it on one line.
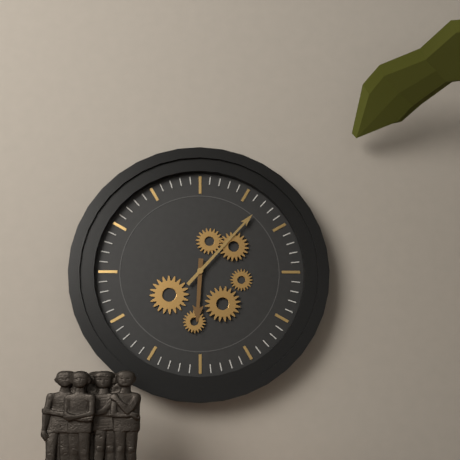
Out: **6:07**
